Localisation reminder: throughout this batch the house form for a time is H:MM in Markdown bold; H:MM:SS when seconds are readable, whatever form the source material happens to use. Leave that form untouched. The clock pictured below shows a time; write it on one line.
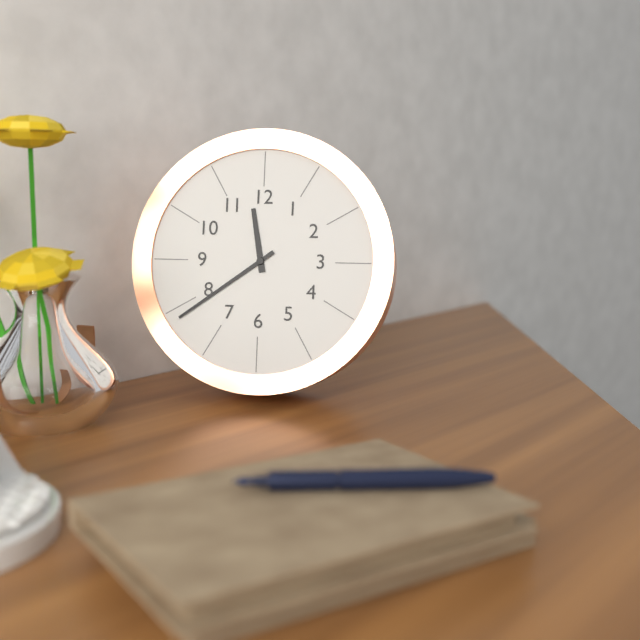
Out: **11:39**
